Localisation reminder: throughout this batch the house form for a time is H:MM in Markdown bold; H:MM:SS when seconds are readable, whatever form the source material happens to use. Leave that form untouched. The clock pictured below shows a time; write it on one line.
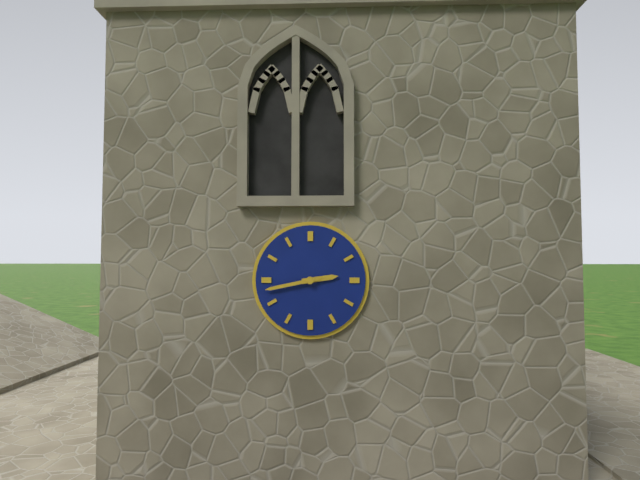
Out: **2:43**
